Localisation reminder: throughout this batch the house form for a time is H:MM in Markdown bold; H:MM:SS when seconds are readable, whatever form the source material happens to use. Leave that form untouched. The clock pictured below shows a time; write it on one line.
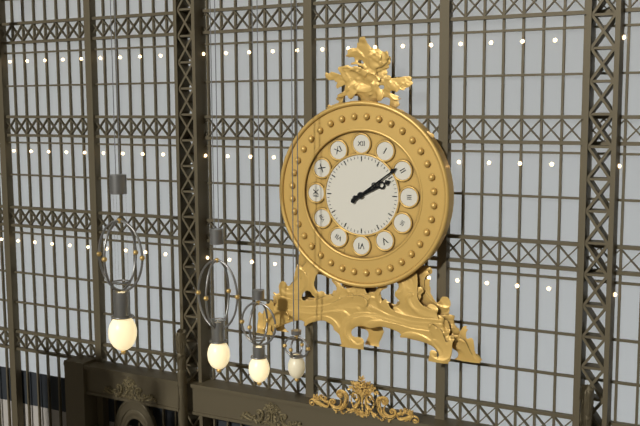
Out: **2:09**
